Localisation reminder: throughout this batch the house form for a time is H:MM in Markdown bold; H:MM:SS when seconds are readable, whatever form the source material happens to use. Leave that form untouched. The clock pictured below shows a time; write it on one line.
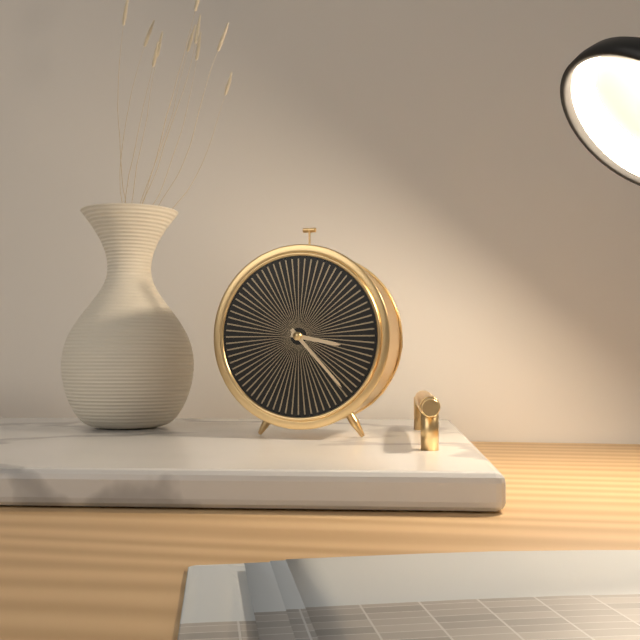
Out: **3:23**
